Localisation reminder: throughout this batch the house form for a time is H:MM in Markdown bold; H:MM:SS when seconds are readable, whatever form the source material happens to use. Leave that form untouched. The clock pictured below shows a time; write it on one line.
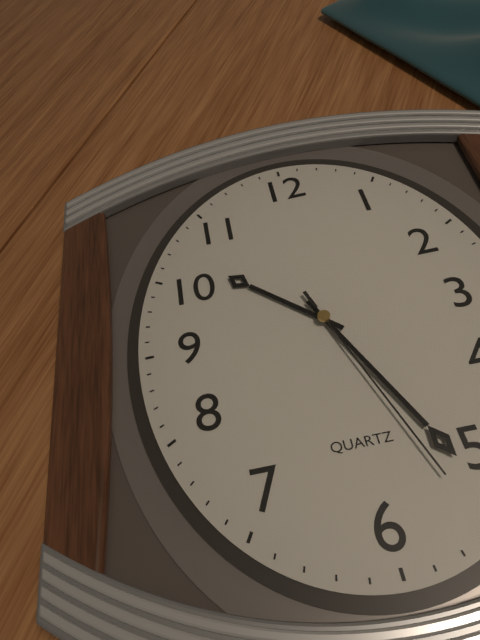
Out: **10:26:27**
